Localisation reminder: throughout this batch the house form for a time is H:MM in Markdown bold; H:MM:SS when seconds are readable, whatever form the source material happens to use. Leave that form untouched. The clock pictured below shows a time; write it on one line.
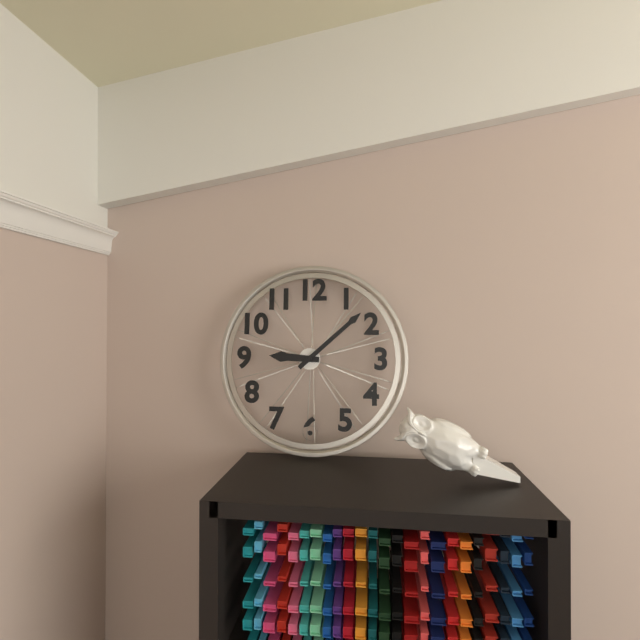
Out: **9:08**
